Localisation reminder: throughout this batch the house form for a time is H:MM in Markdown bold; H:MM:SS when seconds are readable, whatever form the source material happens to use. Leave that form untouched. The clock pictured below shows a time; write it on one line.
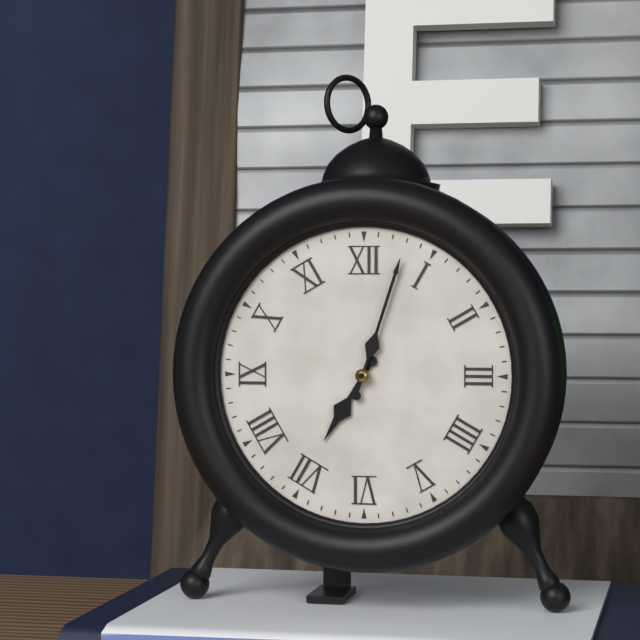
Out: **7:03**
